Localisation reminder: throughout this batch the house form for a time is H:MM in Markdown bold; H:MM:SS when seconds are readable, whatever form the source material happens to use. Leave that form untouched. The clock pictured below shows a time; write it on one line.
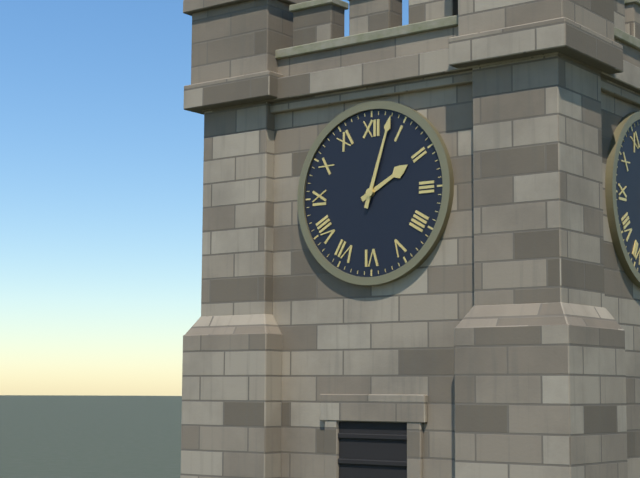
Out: **2:03**
